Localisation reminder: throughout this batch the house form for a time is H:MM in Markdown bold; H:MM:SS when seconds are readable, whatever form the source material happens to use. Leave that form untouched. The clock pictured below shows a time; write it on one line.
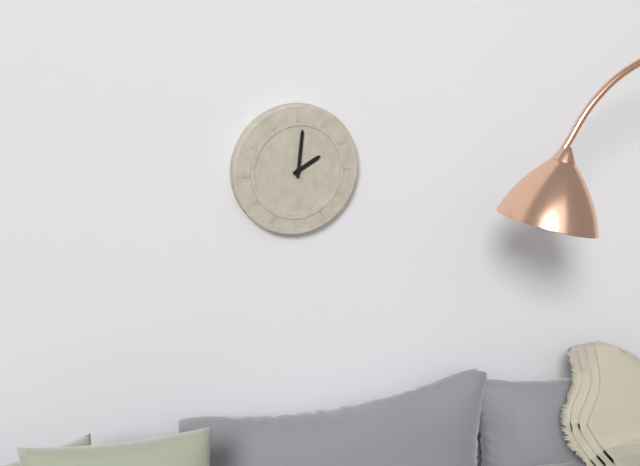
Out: **2:01**
